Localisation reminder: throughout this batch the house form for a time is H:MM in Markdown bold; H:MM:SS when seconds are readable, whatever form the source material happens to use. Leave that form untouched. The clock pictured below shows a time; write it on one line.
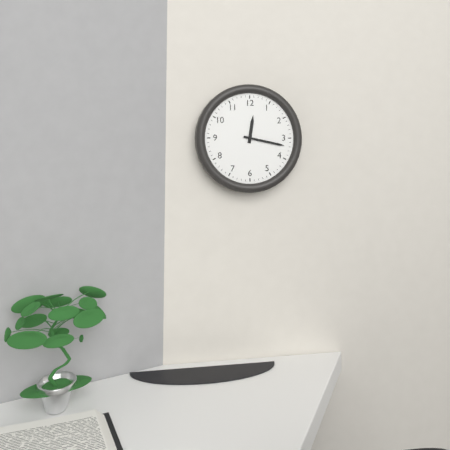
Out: **12:17**
